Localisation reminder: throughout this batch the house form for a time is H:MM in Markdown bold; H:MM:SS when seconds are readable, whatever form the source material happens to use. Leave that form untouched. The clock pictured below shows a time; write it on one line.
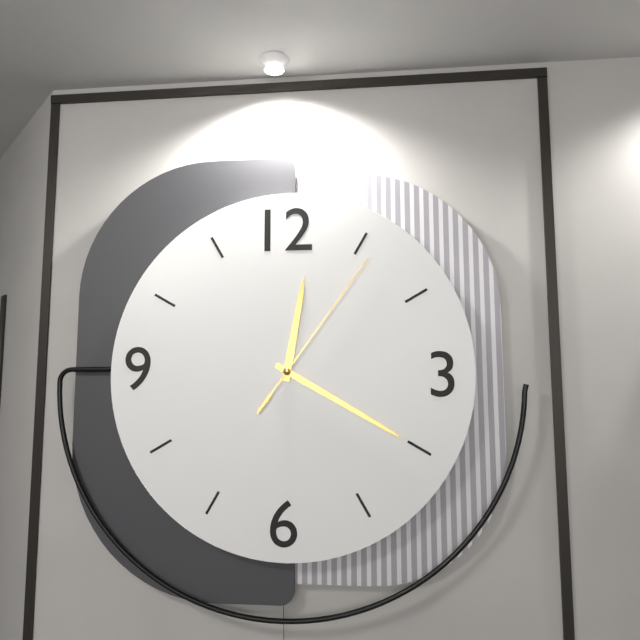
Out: **12:20:06**
